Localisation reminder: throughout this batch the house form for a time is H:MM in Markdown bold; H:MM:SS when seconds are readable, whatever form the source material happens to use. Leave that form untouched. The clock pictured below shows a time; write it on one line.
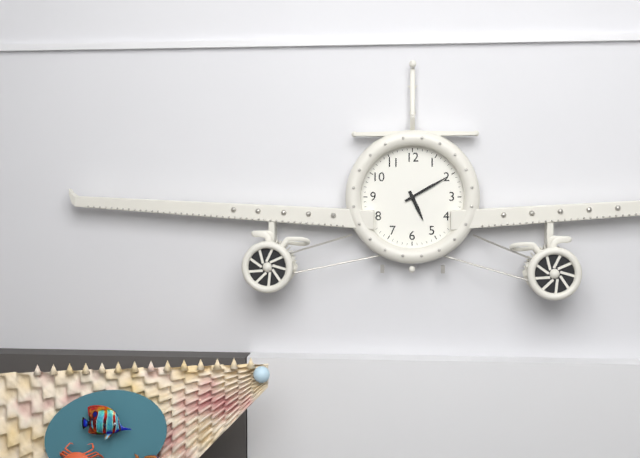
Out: **5:10**
